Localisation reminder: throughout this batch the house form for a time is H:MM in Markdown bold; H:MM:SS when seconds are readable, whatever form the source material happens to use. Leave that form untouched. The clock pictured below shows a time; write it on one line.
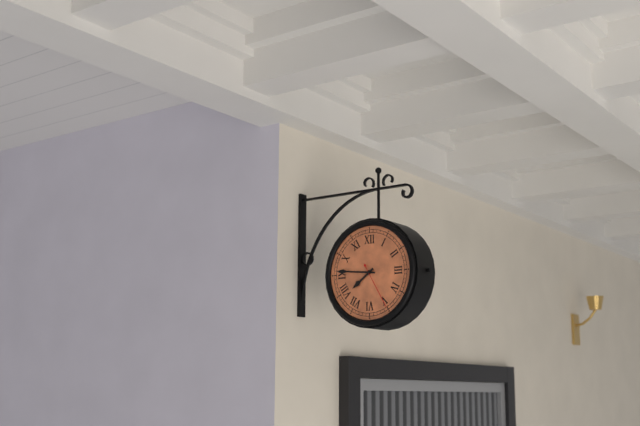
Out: **7:46**
